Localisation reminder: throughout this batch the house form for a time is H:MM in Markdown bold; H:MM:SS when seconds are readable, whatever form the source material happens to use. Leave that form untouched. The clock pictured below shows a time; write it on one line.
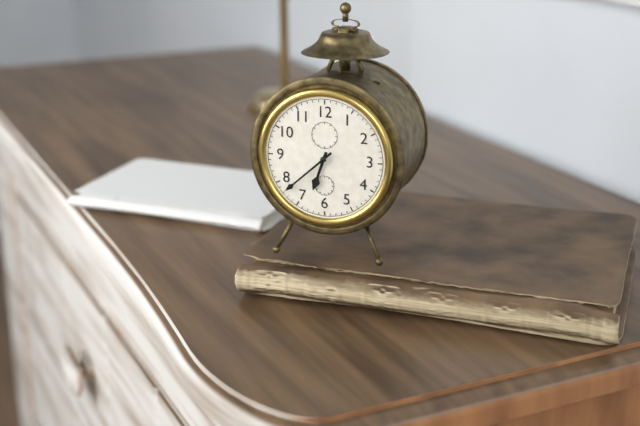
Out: **6:38**
